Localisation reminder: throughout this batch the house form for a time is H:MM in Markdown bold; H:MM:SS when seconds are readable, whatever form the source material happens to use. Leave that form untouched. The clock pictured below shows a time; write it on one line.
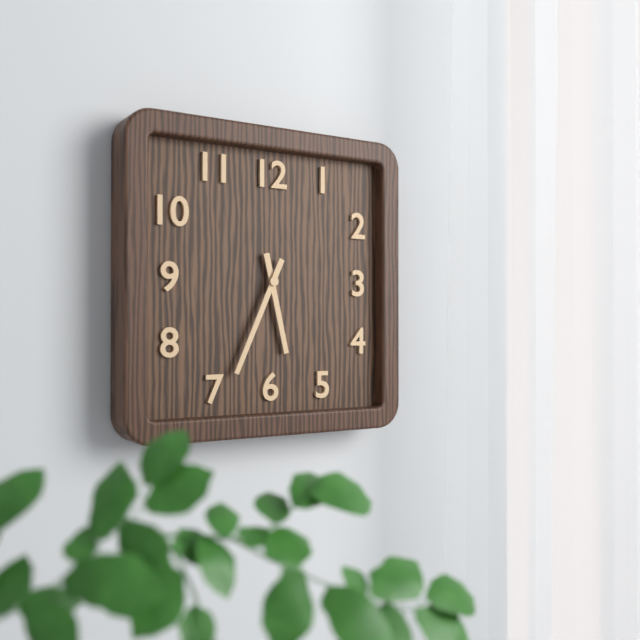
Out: **5:34**
